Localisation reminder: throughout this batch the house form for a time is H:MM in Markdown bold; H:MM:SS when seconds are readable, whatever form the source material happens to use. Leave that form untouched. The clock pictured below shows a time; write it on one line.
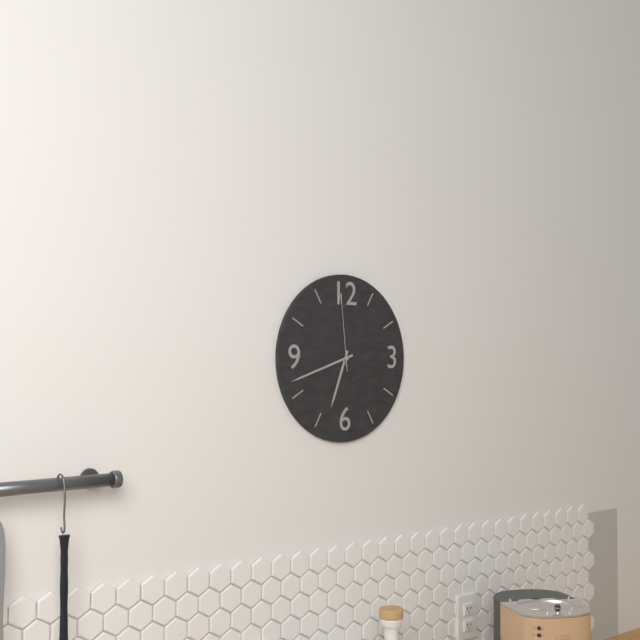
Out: **6:42:59**
